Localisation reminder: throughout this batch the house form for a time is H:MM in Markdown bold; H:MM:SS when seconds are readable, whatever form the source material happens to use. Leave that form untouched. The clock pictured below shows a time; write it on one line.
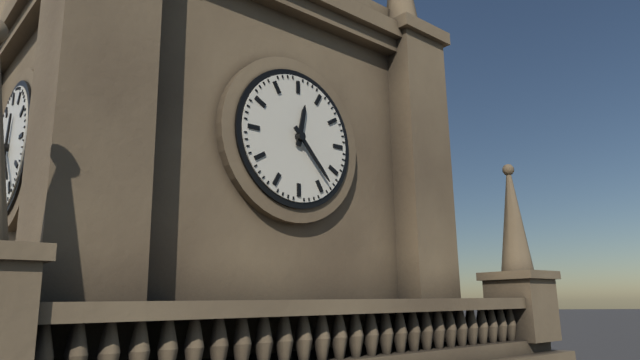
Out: **12:23**
